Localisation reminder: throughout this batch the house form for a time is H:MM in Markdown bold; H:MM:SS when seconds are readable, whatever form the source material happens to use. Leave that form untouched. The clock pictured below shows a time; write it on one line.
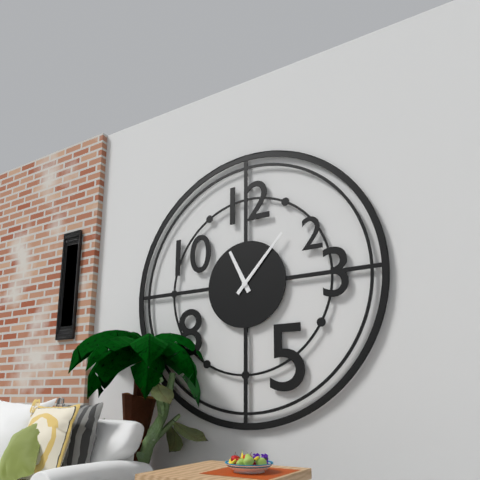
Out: **11:07**
